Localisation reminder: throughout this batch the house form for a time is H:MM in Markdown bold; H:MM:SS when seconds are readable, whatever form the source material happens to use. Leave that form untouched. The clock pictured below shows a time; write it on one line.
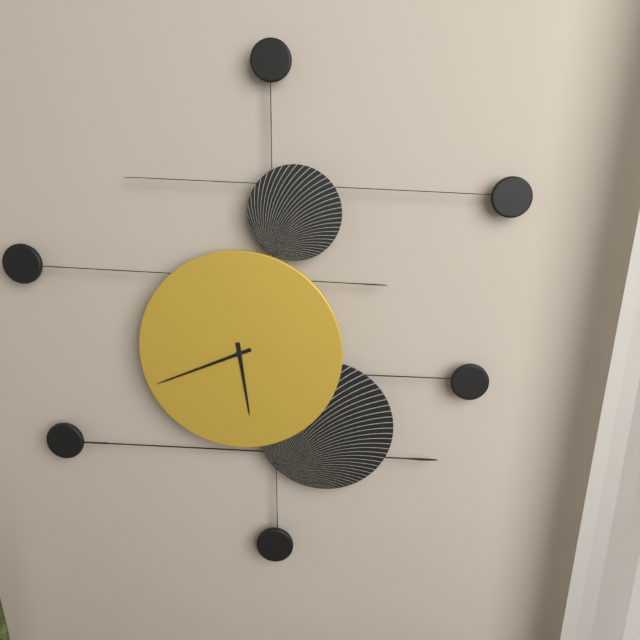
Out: **5:41**
